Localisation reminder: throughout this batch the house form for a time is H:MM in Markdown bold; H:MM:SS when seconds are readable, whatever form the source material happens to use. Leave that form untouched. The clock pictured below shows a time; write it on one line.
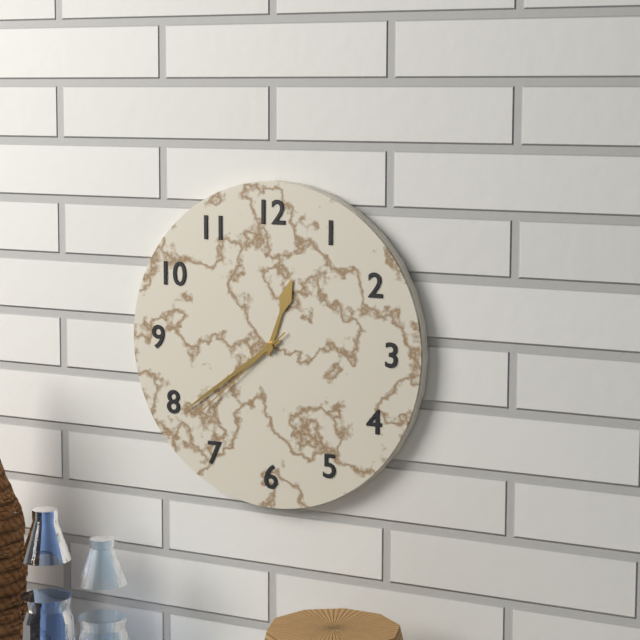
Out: **12:39:38**
